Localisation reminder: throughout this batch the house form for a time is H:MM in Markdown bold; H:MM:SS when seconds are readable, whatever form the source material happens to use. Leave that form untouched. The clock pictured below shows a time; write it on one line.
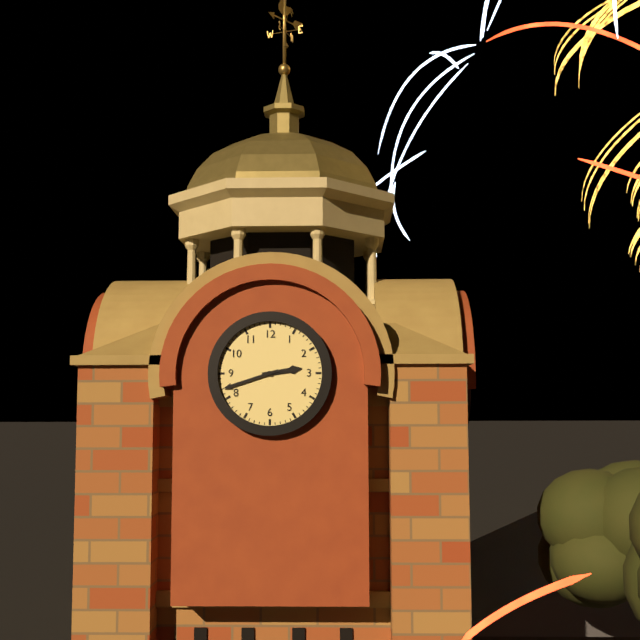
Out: **2:42**
